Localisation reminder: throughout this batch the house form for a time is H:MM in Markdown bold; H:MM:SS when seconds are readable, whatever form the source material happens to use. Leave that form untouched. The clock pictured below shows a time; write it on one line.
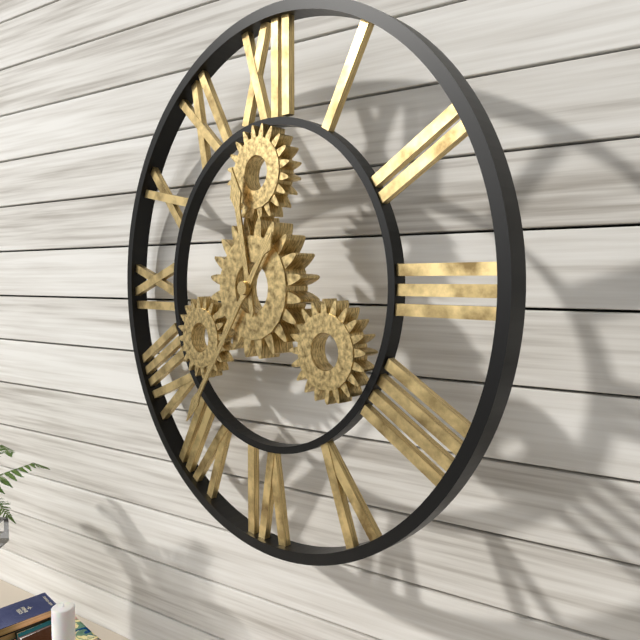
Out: **11:36**
